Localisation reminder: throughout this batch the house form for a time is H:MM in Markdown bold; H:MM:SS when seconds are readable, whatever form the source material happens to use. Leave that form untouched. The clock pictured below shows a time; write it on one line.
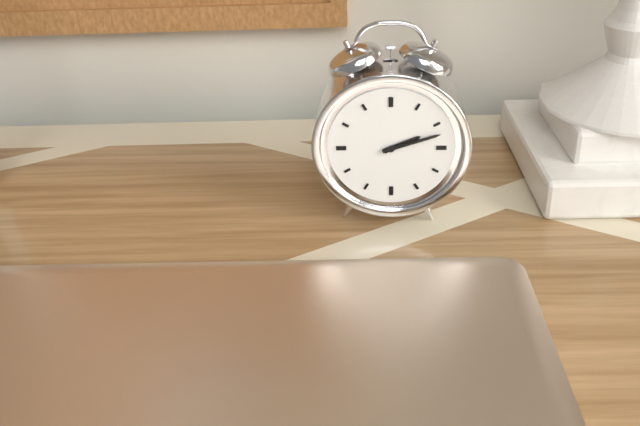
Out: **2:12**
